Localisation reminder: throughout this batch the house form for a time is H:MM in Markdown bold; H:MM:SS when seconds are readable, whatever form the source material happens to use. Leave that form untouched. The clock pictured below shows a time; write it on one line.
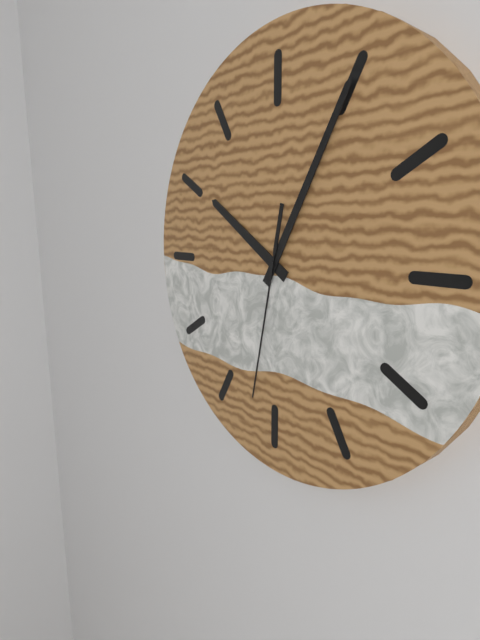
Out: **10:05:32**
